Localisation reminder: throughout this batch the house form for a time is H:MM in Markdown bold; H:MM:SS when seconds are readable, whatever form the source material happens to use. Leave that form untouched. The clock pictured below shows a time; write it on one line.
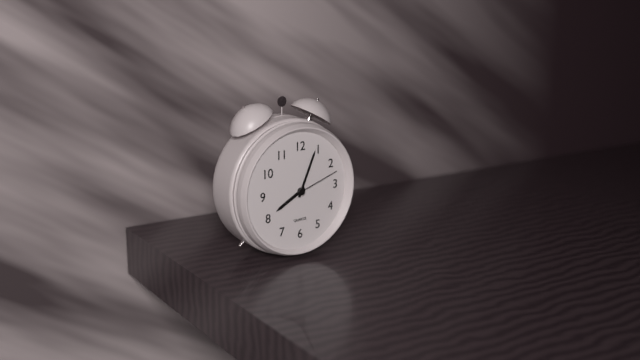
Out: **8:04:12**
